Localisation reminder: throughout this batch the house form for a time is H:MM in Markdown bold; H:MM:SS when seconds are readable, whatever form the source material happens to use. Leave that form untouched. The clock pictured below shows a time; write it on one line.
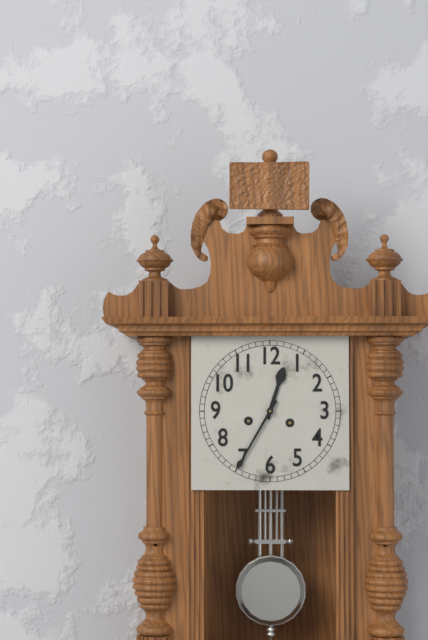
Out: **12:35**
